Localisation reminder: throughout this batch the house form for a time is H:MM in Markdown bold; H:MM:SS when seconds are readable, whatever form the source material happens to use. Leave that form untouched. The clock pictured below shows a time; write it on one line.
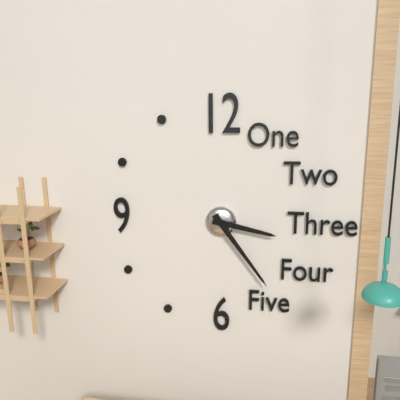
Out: **3:24**
